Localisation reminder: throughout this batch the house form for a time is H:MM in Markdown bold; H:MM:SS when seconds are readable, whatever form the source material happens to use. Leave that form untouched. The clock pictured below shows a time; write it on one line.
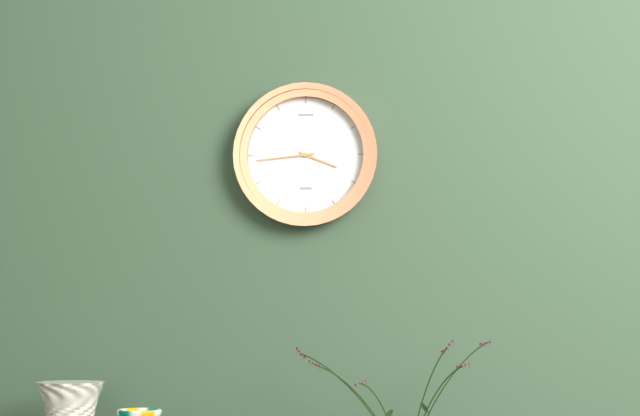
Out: **3:44**
